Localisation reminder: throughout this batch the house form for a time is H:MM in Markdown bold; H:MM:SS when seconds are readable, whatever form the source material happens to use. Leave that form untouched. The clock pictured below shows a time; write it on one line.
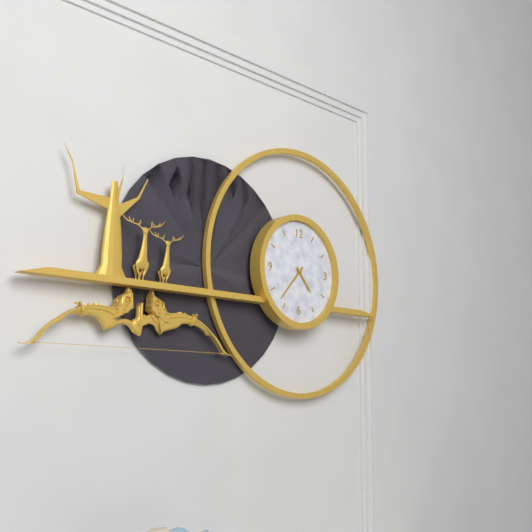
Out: **4:37**
